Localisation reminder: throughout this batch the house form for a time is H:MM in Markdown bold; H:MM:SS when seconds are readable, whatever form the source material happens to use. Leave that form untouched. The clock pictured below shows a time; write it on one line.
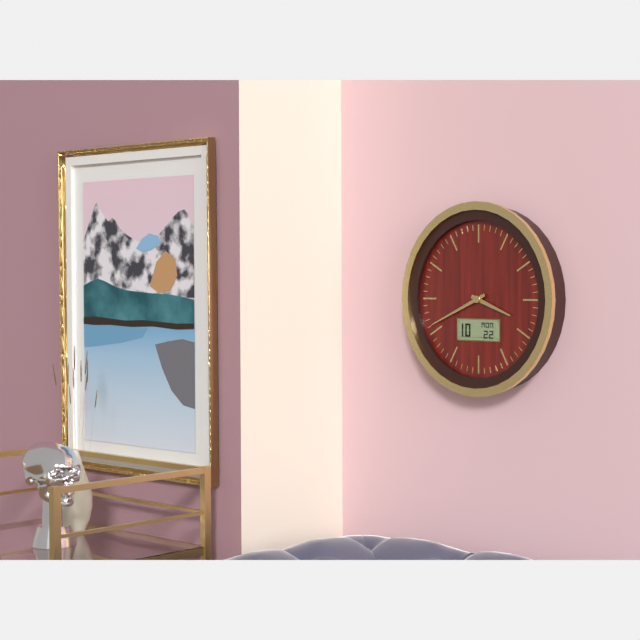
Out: **3:41**
